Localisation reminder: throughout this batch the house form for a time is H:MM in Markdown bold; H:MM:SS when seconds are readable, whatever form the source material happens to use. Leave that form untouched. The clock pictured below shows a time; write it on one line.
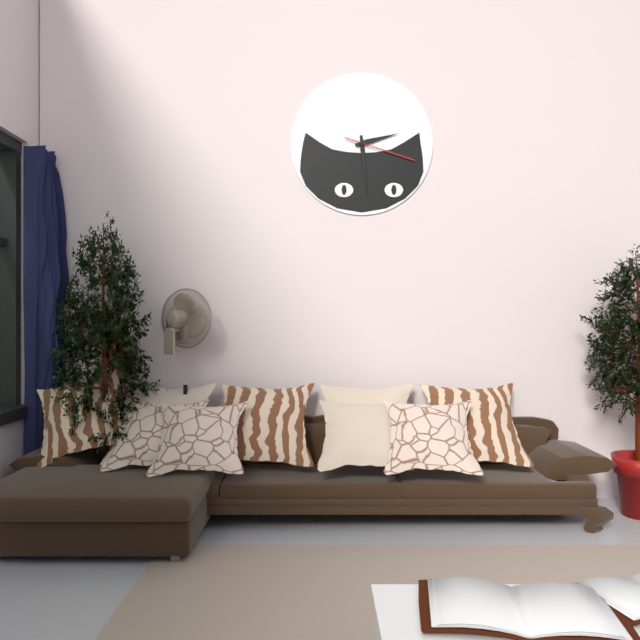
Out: **2:29:18**
